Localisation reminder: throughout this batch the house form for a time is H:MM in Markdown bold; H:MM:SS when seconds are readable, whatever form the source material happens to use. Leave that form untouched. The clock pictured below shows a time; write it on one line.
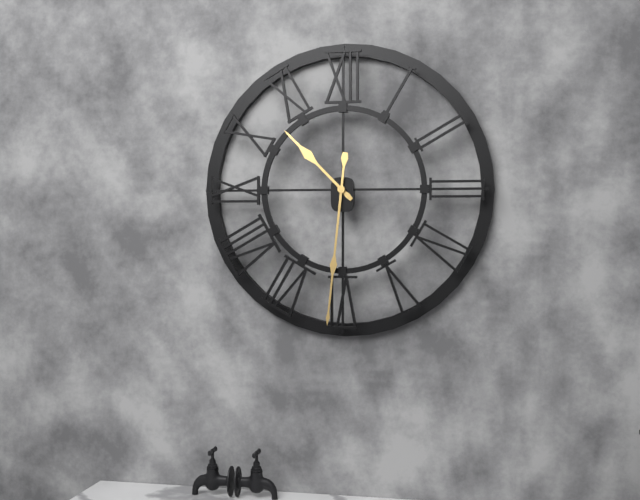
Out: **10:31**
